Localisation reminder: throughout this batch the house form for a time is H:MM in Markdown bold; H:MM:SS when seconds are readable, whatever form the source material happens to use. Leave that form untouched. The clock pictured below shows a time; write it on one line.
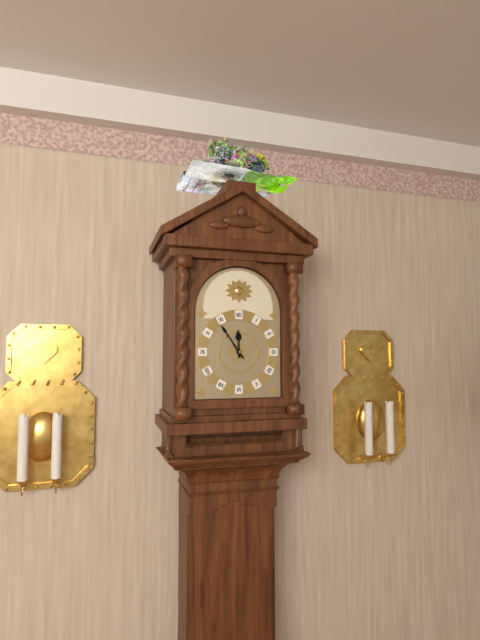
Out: **11:54**
